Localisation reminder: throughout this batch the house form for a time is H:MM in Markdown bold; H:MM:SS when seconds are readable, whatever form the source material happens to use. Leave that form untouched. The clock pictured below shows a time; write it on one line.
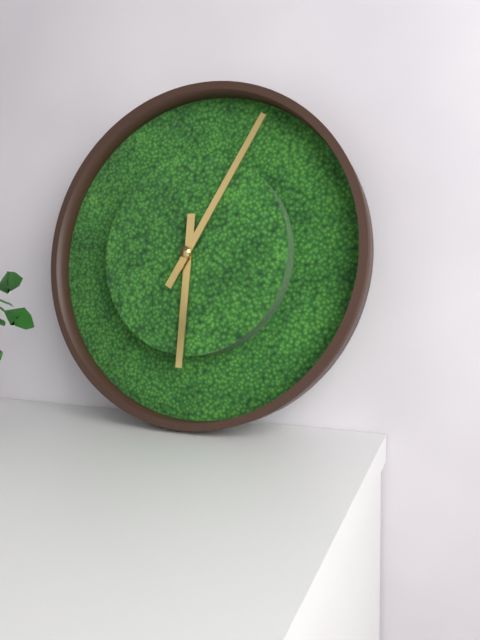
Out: **6:05**
